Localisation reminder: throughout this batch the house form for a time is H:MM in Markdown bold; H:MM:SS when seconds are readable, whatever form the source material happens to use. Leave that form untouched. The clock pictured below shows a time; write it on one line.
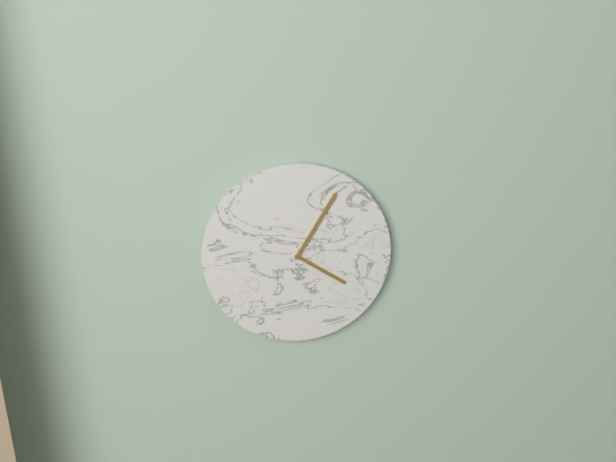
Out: **4:05**
